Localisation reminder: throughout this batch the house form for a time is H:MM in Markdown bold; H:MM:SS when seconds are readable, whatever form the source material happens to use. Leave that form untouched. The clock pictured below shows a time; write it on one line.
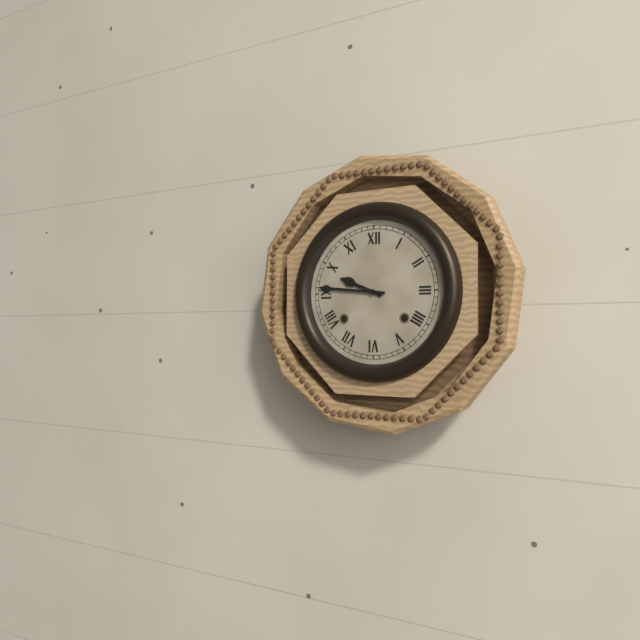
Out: **9:46**
